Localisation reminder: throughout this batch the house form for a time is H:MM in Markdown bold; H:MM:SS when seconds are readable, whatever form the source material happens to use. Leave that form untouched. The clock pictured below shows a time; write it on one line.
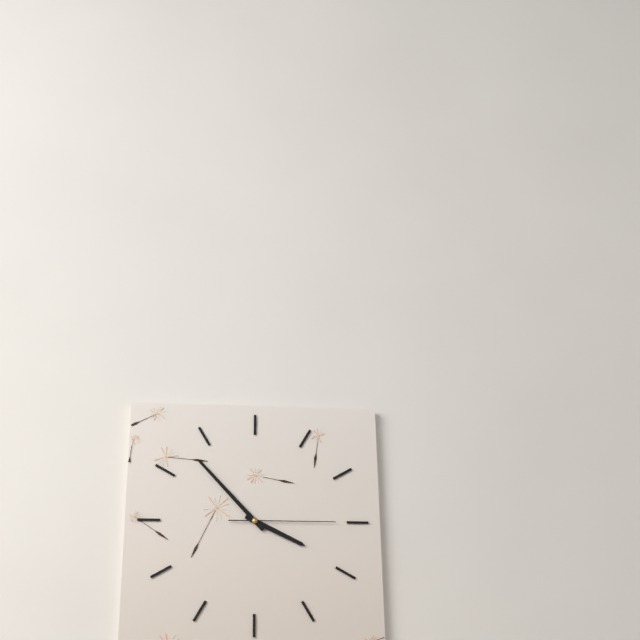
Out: **3:53:15**
